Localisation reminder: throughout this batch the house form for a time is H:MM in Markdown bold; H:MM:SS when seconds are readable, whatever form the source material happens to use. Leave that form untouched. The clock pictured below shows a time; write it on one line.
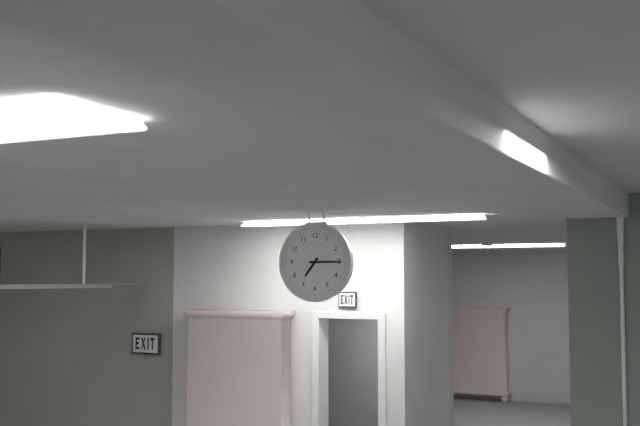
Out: **7:15**
